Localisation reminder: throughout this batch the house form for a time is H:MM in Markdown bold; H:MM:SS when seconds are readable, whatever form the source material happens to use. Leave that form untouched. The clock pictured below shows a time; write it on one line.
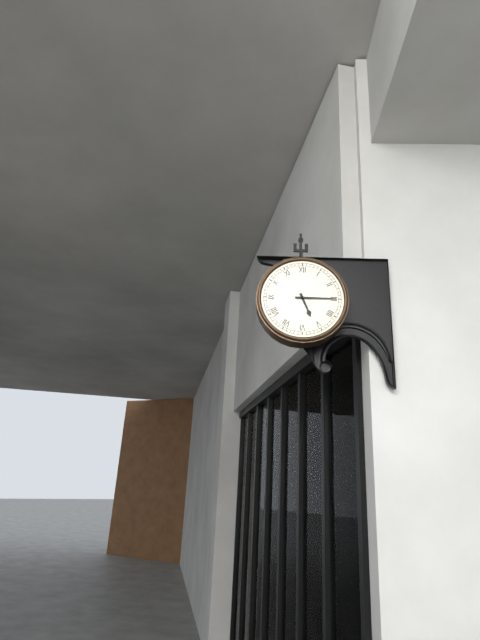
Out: **5:15**
